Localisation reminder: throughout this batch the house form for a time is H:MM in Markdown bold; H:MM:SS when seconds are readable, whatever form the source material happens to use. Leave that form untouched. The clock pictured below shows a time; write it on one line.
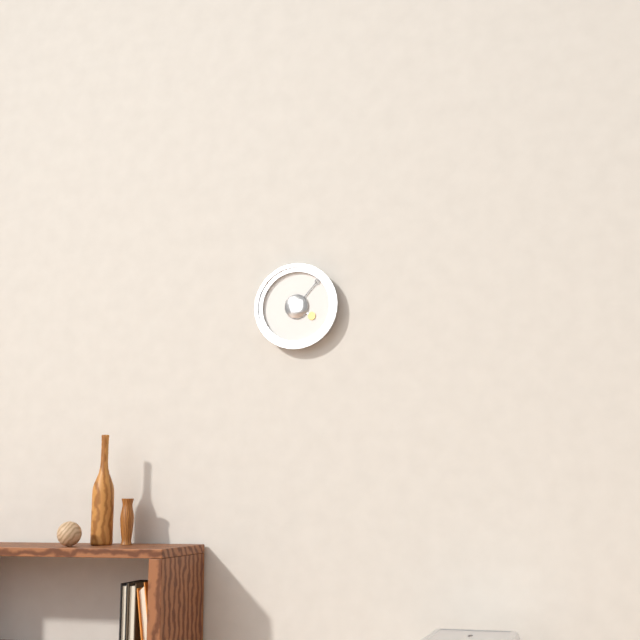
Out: **4:07**
